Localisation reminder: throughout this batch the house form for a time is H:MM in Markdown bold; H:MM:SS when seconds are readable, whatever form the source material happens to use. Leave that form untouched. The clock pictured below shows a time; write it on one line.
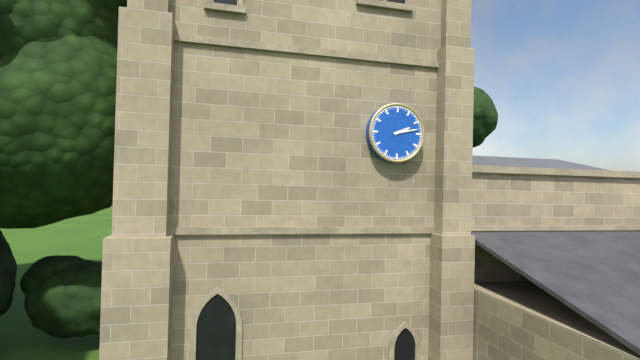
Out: **2:13**
